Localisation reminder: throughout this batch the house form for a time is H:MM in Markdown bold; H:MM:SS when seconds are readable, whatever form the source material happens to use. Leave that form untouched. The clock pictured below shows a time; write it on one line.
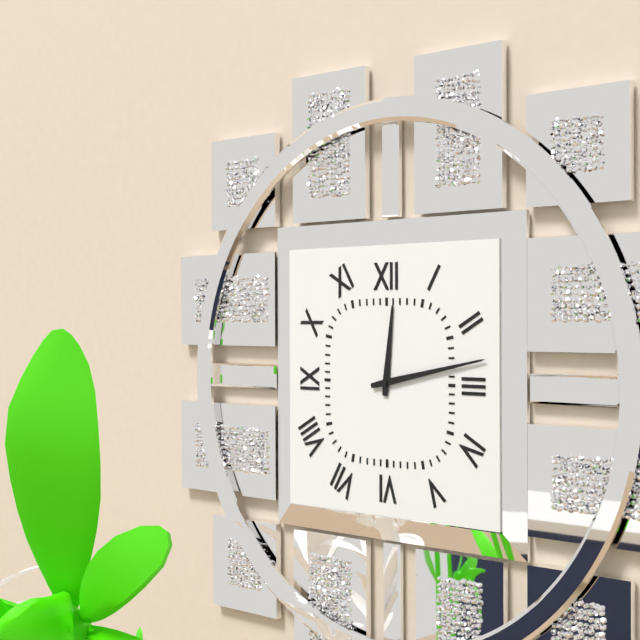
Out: **12:13**
